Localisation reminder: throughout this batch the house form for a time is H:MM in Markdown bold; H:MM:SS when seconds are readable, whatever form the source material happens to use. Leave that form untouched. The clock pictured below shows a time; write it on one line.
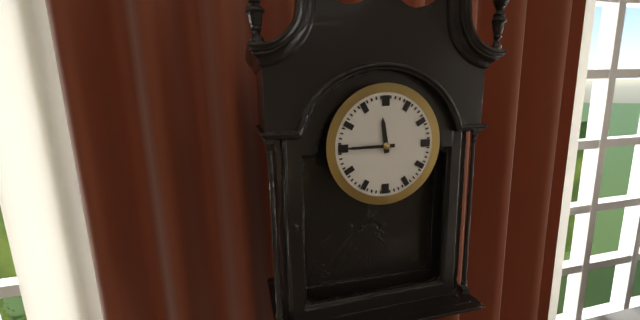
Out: **11:45**
